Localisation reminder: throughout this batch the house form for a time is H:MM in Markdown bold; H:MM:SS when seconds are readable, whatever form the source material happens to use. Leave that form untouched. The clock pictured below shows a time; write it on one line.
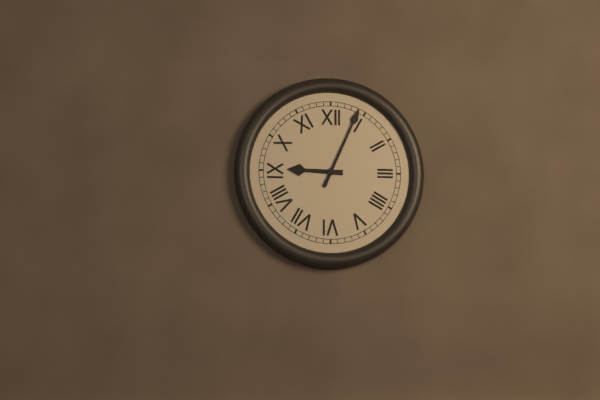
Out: **9:04**
